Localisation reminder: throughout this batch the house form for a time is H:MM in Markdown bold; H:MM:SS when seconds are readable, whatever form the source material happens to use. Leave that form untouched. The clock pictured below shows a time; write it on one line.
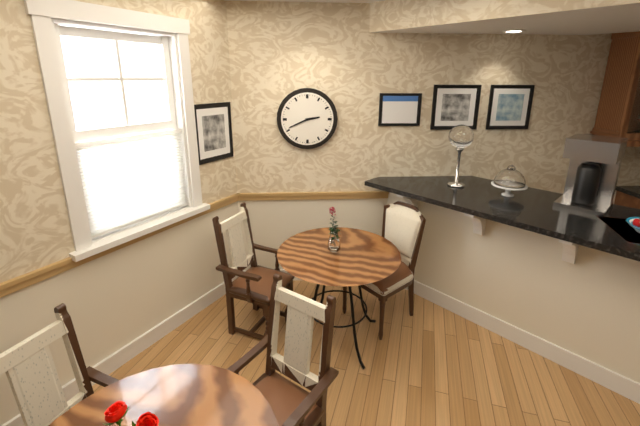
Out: **2:41**
